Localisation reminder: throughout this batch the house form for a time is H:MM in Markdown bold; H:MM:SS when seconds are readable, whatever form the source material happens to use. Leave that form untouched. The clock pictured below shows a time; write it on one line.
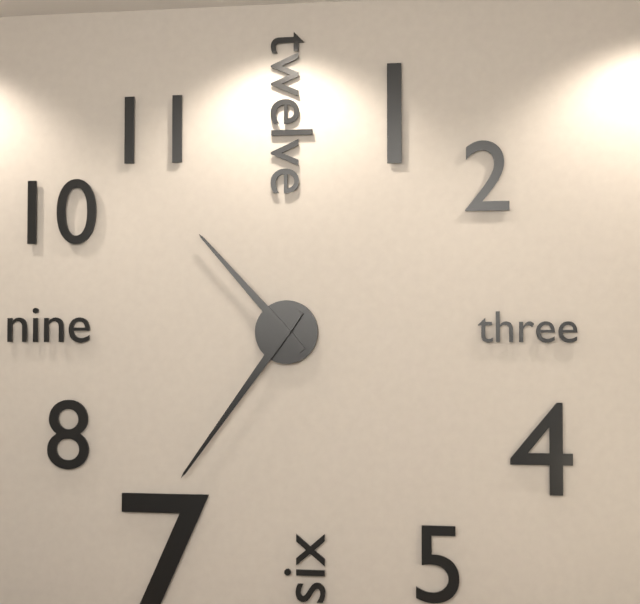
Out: **10:36**
